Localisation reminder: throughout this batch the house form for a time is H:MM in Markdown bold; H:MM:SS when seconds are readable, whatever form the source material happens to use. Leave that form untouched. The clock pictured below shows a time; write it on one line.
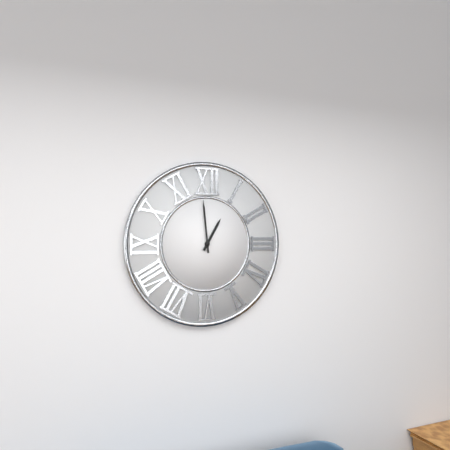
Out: **12:59**
